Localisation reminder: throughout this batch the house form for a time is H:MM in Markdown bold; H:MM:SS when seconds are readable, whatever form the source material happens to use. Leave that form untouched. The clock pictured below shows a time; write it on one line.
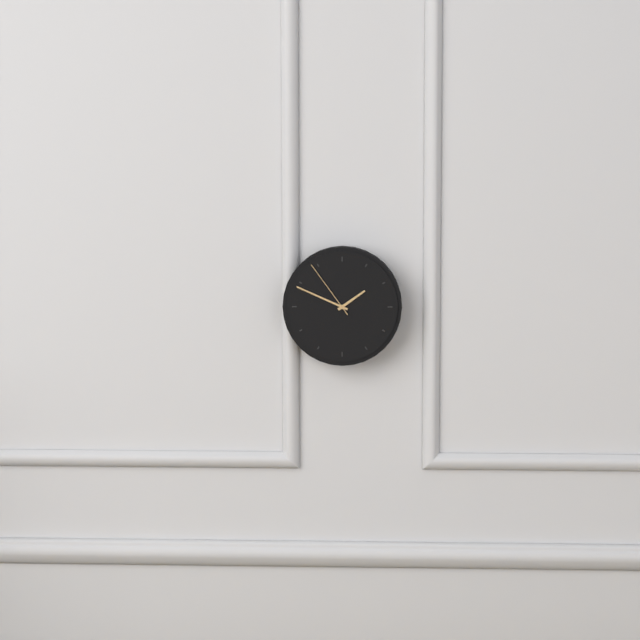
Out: **1:49:54**
